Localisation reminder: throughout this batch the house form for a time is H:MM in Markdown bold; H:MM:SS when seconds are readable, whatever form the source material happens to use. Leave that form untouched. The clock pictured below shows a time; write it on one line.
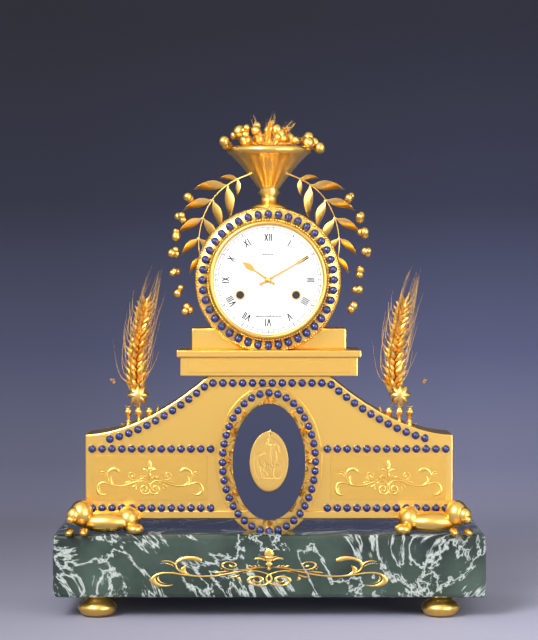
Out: **10:10**
